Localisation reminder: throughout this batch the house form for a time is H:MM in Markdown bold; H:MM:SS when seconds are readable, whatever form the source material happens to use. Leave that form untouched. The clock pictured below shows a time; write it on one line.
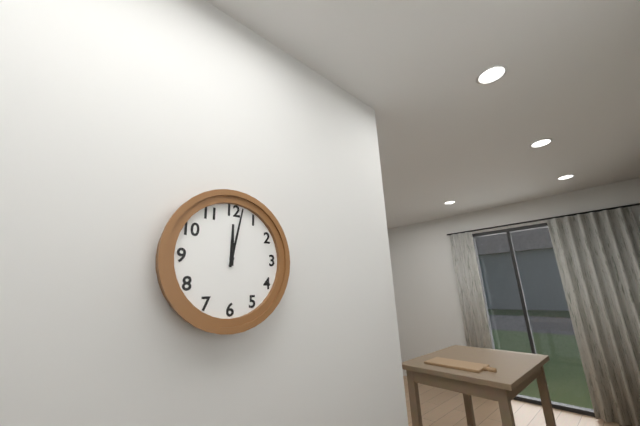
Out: **12:02**
